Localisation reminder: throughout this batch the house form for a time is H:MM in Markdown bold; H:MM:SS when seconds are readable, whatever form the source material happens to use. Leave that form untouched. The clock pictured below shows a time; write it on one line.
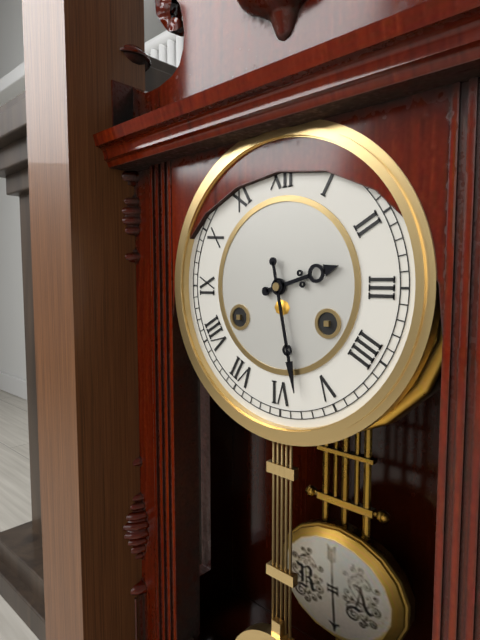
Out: **2:28**
